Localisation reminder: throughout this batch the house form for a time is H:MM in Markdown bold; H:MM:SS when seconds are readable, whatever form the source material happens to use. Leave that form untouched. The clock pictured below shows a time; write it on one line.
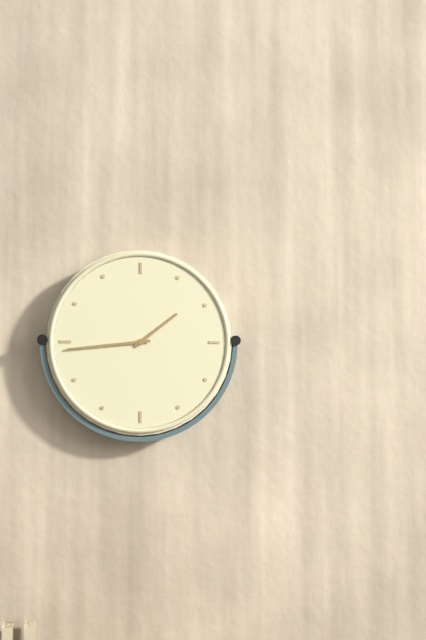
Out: **1:44**
